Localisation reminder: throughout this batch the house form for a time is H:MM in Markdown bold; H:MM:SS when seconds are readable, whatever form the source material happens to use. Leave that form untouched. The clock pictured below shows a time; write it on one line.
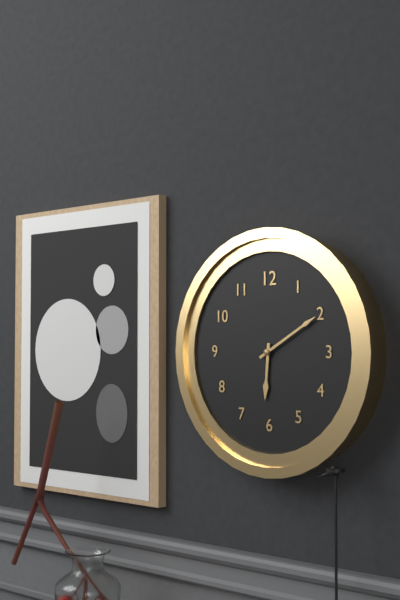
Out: **6:10**
